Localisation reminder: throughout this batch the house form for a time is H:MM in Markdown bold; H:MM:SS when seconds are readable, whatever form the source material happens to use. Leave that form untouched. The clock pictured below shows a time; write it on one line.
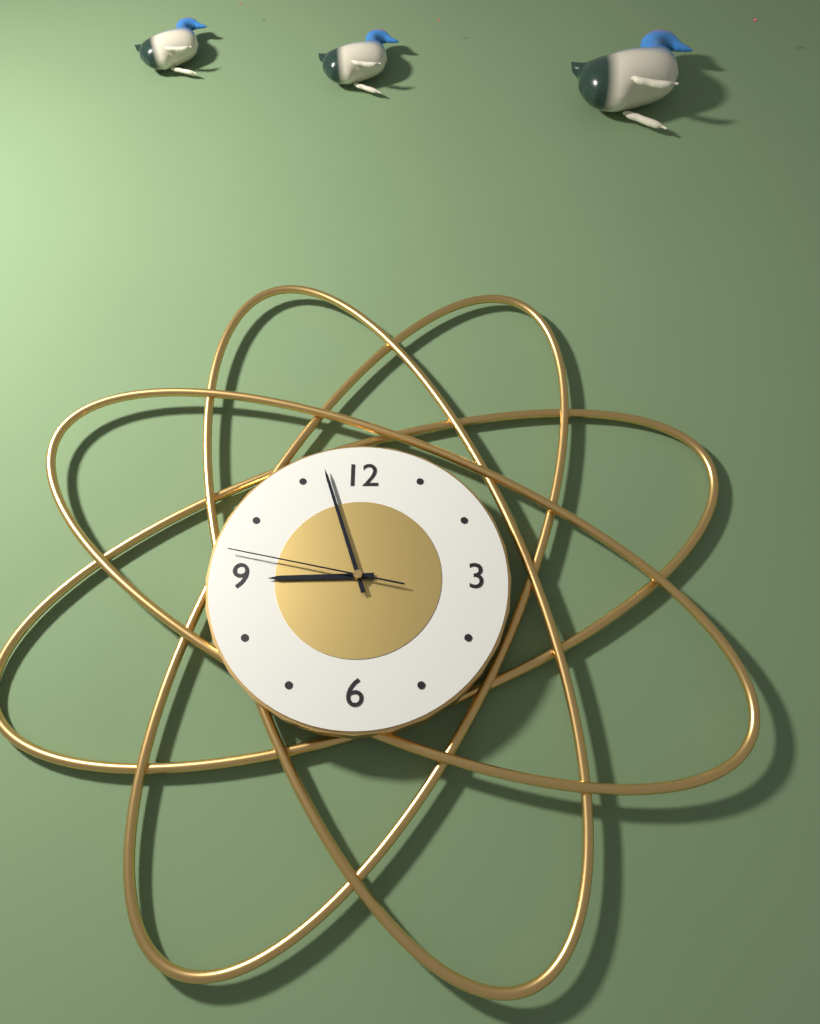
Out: **8:57:47**
